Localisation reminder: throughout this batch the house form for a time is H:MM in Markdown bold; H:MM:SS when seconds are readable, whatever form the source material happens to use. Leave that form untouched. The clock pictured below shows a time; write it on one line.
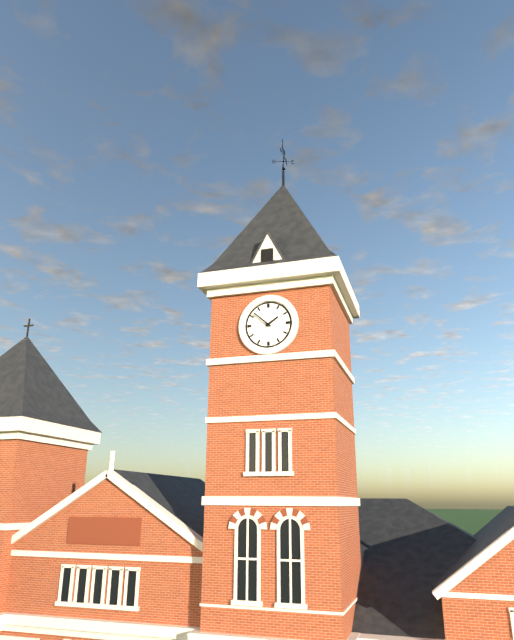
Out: **1:52**
